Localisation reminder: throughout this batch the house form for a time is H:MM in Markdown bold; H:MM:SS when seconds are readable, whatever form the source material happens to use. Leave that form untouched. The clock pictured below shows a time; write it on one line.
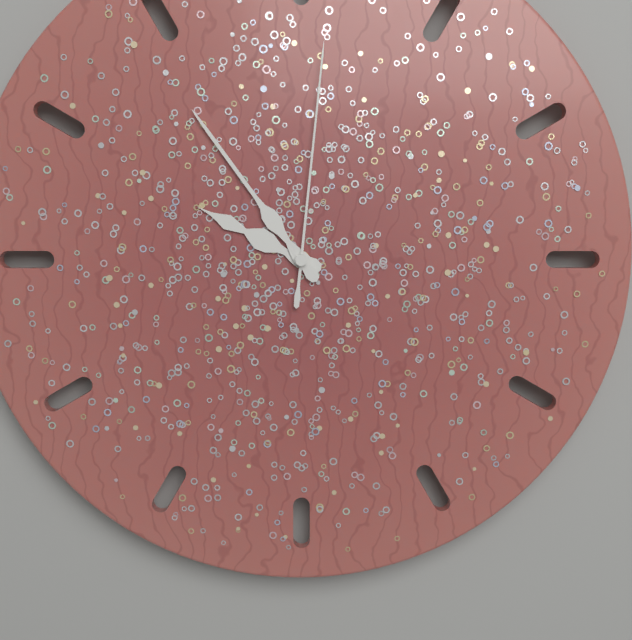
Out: **9:54:01**
